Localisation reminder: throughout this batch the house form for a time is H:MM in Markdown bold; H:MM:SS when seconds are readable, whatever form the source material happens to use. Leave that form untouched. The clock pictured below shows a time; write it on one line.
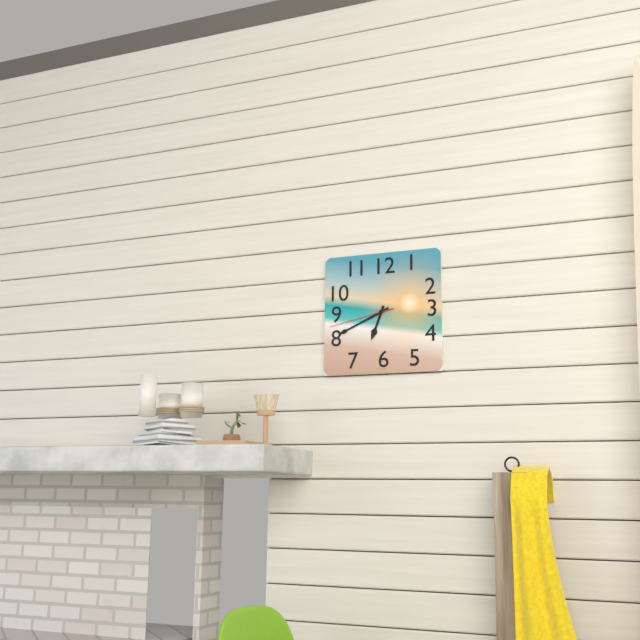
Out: **6:41:43**
